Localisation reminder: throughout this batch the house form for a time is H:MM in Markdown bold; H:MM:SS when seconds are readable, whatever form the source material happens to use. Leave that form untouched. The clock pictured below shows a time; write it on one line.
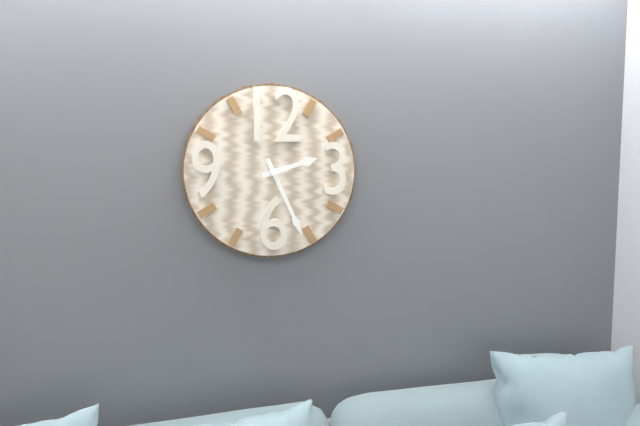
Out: **2:26**
